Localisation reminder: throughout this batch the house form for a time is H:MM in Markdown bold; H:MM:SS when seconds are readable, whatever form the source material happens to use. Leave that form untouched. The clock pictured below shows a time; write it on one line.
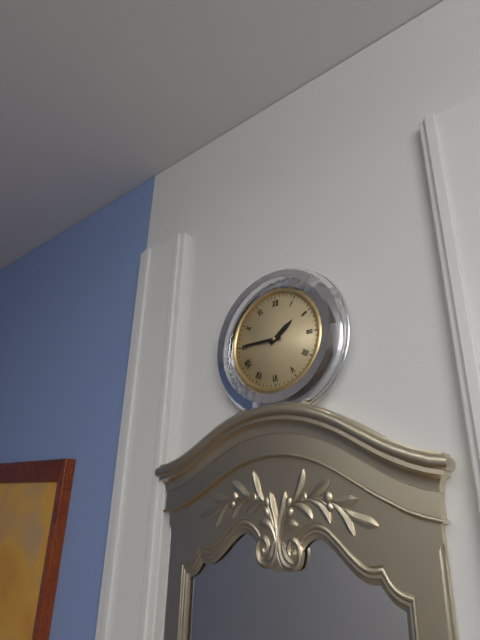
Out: **1:45**
